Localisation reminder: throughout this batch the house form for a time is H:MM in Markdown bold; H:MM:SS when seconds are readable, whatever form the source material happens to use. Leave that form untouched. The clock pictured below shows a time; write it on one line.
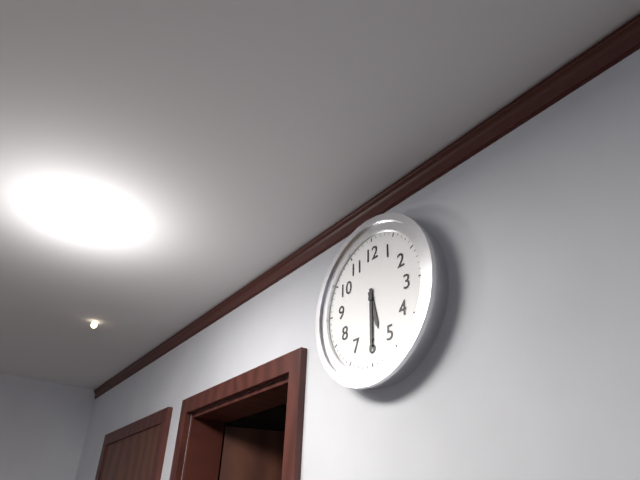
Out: **5:30**
